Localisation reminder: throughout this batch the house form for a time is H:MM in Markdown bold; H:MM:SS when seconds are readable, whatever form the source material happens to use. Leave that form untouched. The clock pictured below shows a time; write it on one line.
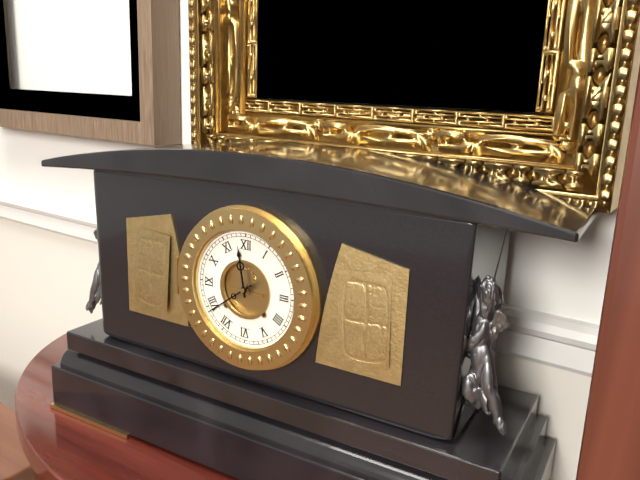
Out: **11:39**
